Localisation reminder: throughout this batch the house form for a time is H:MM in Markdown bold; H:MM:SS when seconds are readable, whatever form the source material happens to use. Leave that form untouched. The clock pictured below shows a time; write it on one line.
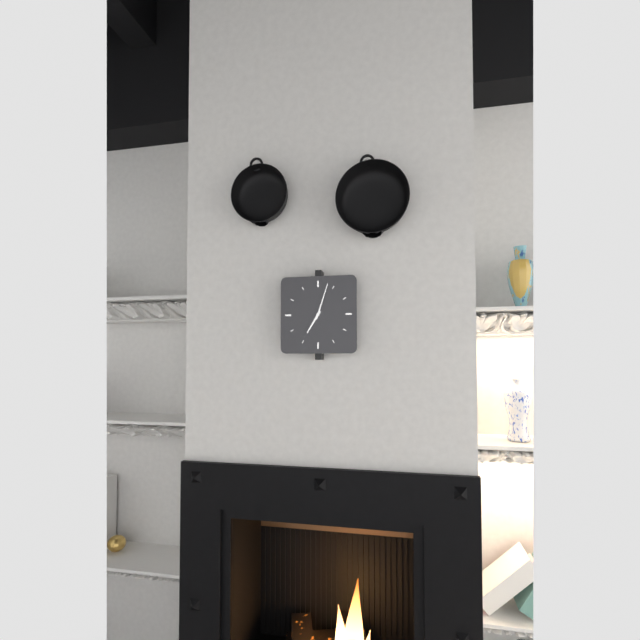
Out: **7:03**
